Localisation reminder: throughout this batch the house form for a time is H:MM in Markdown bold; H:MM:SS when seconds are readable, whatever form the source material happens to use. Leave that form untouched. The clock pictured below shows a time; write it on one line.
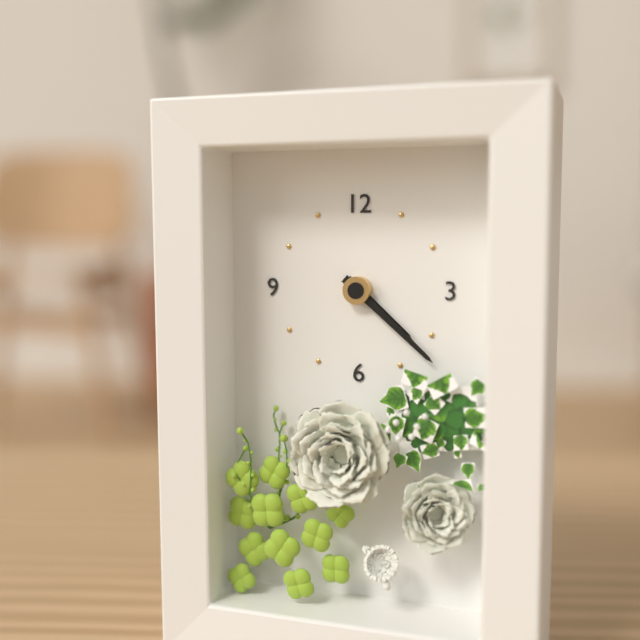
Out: **4:22**
